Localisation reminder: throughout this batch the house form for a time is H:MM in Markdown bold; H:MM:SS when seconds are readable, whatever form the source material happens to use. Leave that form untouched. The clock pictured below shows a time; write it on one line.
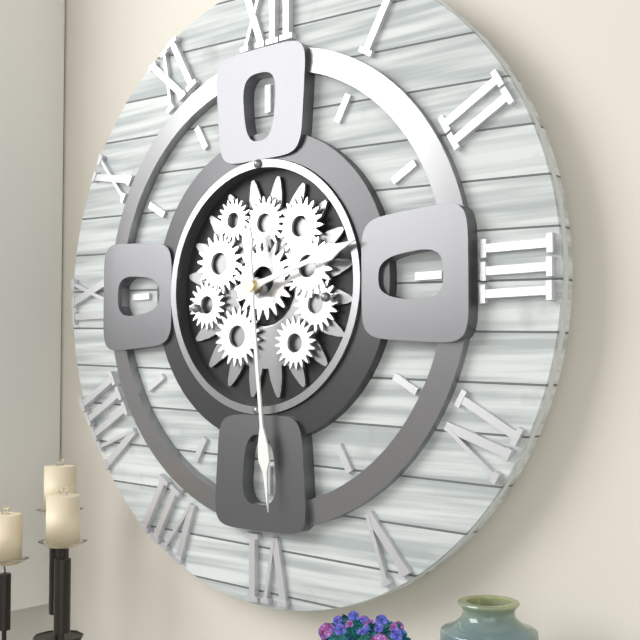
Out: **2:29**
